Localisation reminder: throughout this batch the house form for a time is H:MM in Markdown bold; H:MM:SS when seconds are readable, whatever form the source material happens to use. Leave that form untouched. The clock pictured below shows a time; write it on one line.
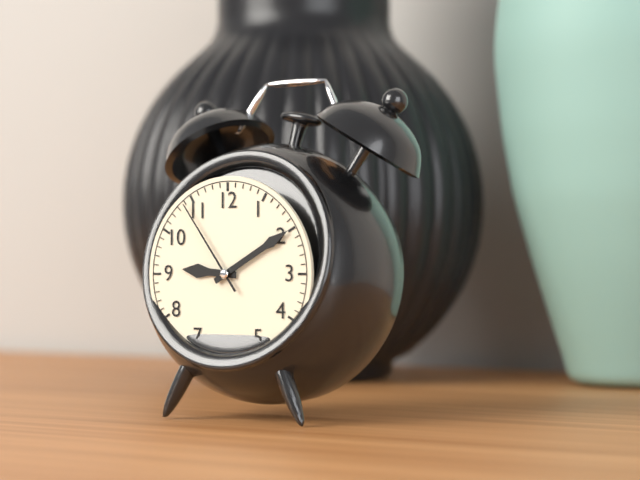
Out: **9:10:54**
